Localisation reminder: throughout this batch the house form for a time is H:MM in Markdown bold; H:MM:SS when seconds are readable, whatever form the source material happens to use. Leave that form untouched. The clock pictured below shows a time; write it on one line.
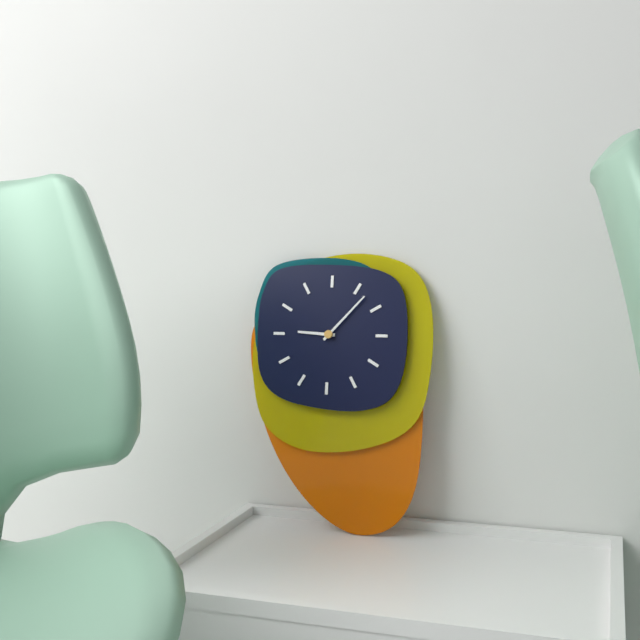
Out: **9:07**
